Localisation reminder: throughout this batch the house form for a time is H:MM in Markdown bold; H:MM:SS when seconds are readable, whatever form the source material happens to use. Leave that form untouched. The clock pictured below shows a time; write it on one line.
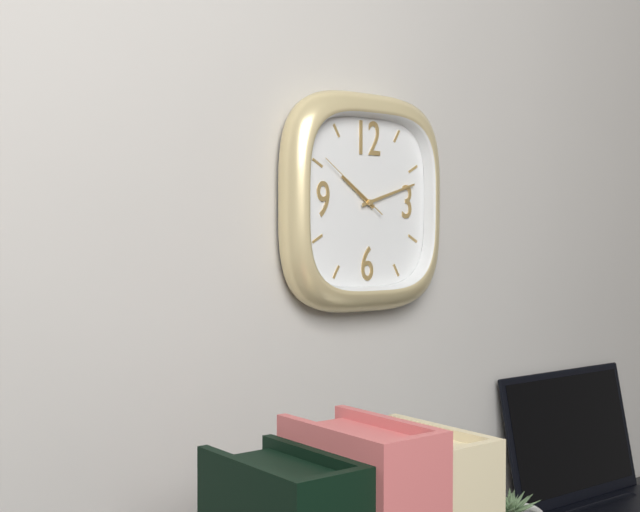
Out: **10:12:51**
